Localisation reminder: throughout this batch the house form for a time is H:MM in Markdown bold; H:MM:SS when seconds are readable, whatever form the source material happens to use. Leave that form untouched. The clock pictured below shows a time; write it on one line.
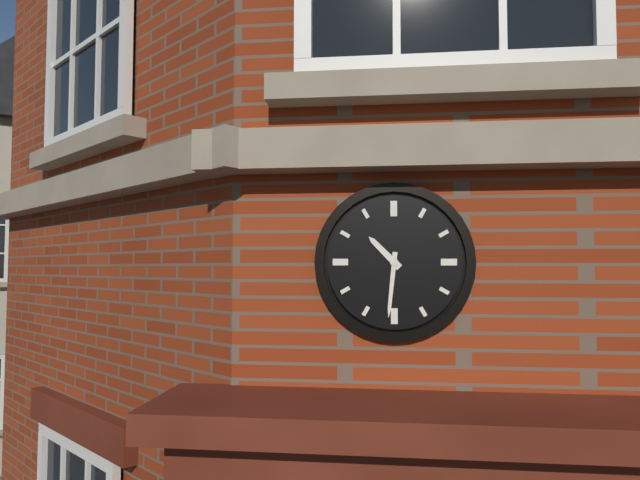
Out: **10:31**
